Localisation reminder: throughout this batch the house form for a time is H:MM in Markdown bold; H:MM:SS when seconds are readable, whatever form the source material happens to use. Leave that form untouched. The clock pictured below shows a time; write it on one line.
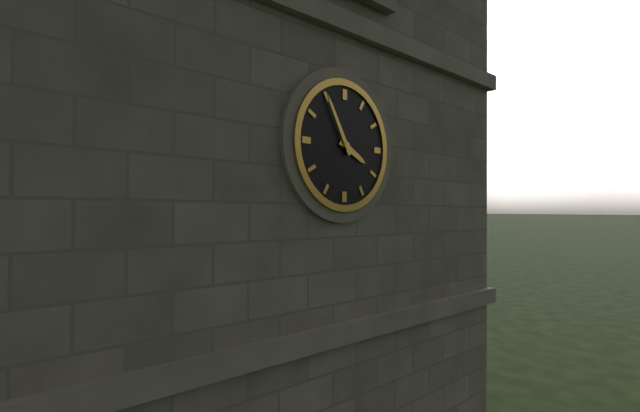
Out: **3:55**
